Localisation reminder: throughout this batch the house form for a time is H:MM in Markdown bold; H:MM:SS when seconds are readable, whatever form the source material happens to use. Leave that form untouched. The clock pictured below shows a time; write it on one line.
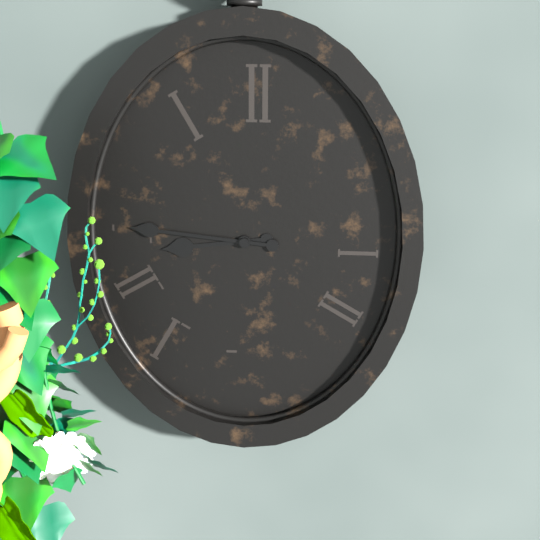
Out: **8:46**
